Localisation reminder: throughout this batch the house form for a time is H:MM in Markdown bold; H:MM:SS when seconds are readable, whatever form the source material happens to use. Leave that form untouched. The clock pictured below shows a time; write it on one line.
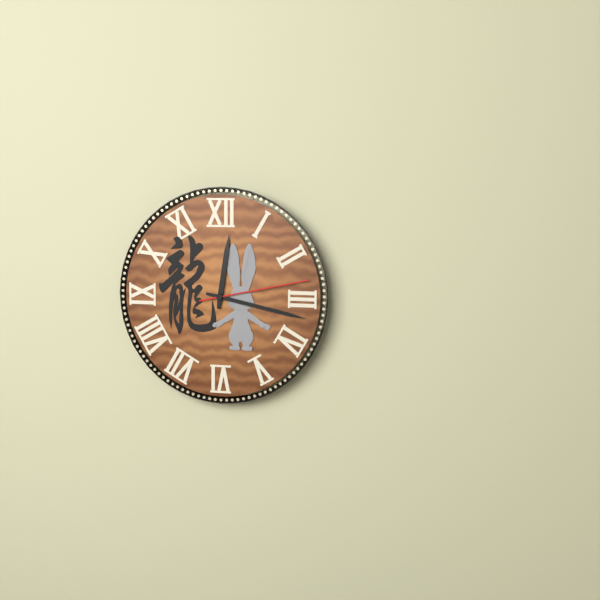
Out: **12:17:13**
